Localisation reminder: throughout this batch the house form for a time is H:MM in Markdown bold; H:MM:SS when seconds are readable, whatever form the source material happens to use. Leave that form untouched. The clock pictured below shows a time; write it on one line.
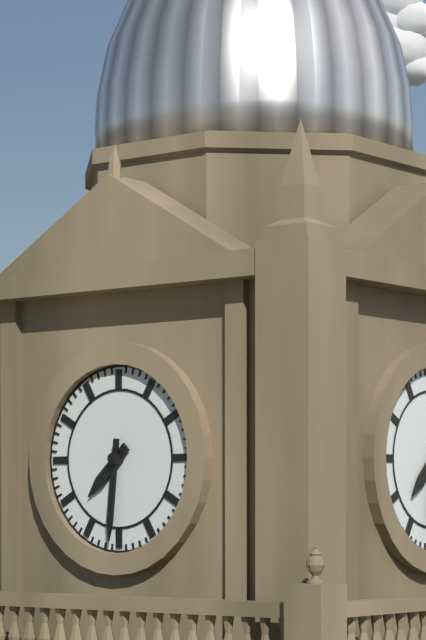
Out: **7:31**
